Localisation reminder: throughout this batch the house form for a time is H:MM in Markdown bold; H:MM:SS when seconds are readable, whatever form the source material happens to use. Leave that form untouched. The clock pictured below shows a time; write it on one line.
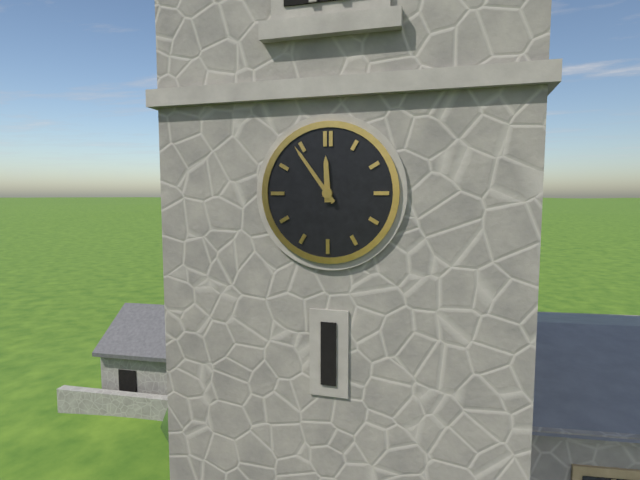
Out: **11:54**
